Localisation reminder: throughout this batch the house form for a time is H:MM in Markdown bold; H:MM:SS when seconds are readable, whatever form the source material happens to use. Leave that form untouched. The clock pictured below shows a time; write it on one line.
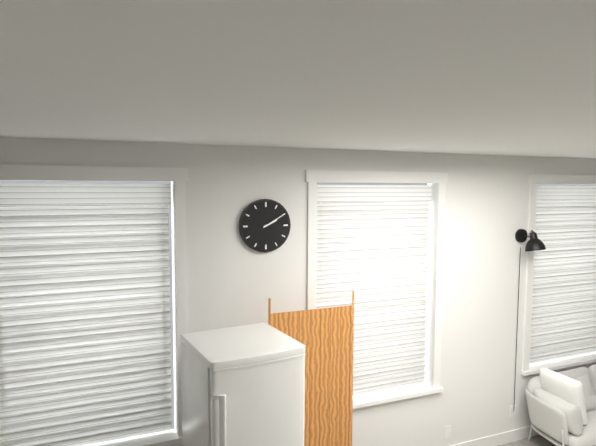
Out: **2:10**
